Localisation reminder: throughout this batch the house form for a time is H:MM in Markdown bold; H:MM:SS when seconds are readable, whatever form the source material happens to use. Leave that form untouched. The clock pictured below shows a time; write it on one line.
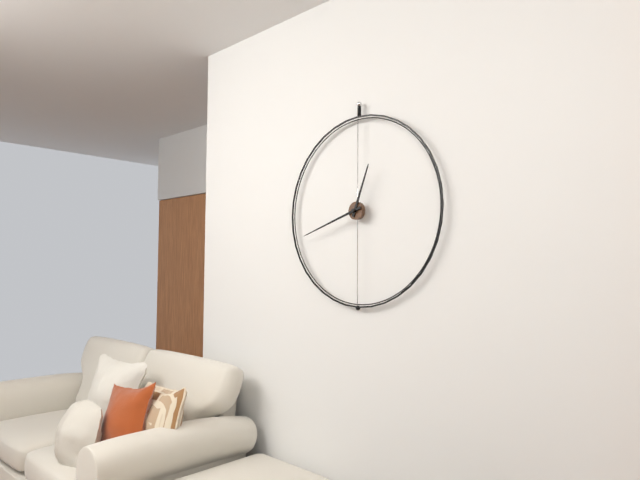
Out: **12:42**
